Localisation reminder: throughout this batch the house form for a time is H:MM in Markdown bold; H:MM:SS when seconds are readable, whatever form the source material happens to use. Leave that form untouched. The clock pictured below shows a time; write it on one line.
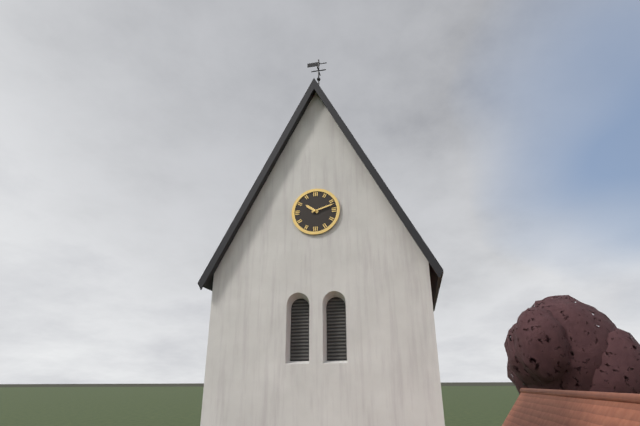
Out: **10:12**
